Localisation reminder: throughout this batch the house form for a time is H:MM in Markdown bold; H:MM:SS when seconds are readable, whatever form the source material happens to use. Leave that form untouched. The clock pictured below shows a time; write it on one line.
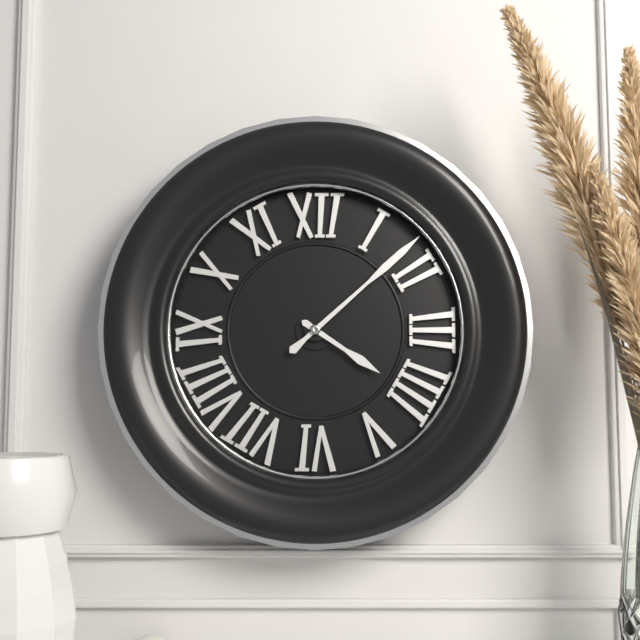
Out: **4:08**
